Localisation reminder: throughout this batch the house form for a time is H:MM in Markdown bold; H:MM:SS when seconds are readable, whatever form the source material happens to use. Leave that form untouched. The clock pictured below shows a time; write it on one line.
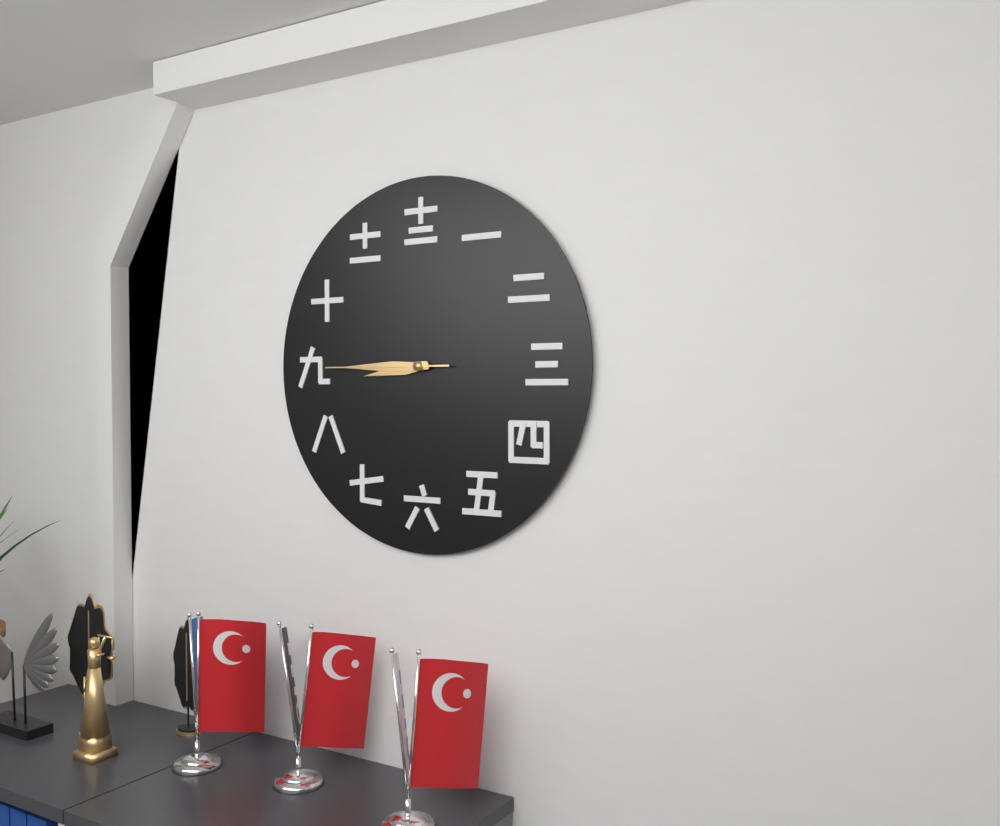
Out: **8:45:45**
